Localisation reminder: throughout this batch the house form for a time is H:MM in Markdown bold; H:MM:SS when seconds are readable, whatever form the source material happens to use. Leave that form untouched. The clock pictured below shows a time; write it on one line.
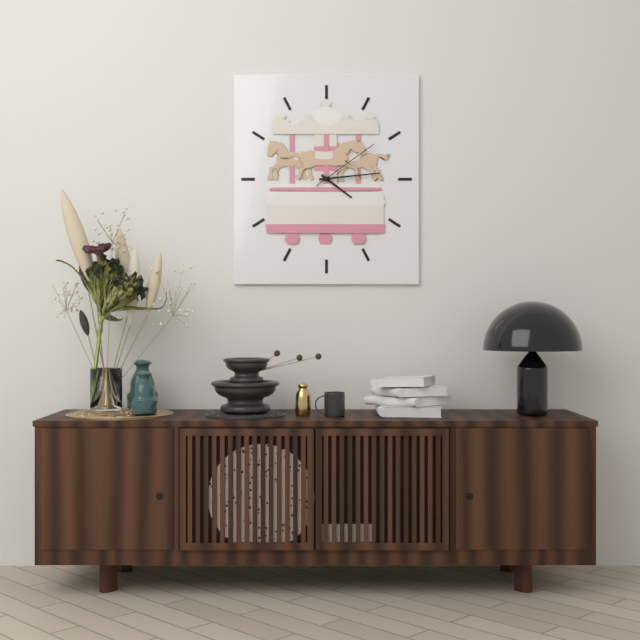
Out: **4:14:09**
